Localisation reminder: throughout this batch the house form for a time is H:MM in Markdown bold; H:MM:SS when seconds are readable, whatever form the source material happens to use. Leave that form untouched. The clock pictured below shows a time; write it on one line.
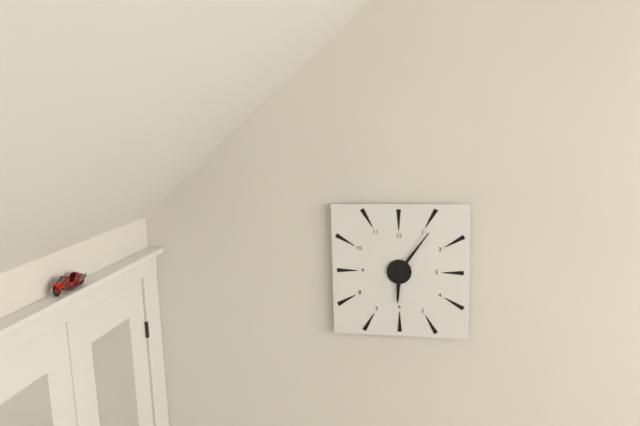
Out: **6:06**
